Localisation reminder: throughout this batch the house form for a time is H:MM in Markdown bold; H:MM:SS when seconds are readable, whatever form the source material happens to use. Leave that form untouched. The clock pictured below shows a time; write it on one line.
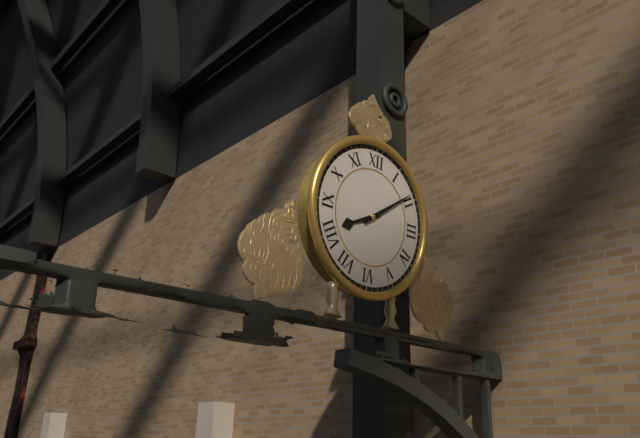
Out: **8:09**
